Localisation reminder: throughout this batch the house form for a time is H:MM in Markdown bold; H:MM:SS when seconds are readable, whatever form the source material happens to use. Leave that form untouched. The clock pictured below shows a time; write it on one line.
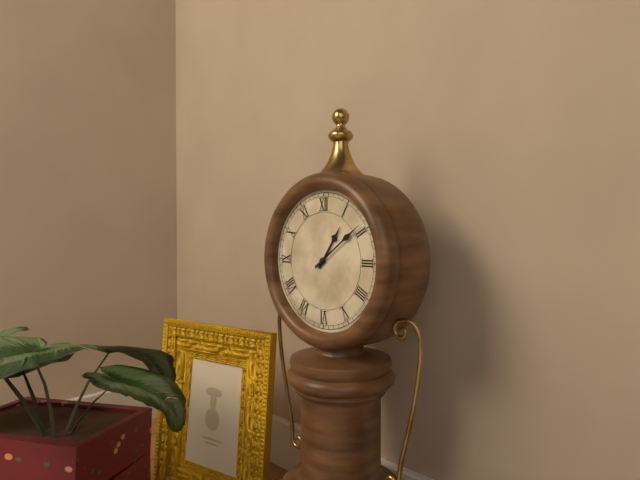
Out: **1:09**
